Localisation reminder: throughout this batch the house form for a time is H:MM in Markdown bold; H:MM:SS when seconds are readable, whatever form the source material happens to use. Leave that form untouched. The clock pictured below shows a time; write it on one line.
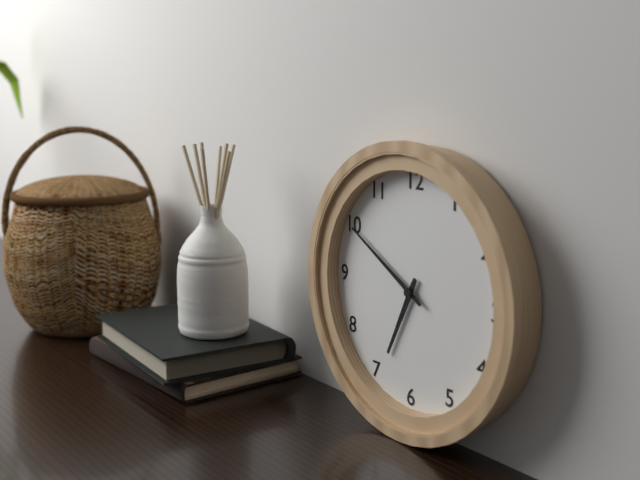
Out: **6:50**
